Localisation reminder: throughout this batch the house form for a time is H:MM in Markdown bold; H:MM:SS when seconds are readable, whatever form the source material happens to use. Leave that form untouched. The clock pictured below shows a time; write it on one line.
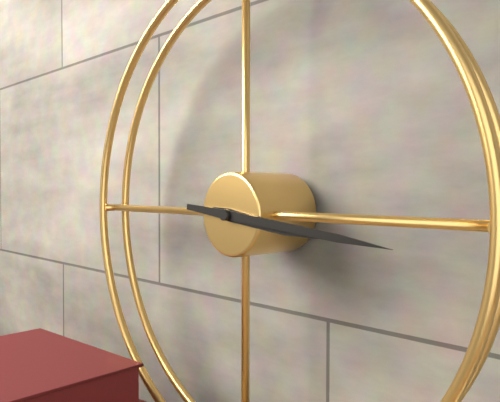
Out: **3:16**
